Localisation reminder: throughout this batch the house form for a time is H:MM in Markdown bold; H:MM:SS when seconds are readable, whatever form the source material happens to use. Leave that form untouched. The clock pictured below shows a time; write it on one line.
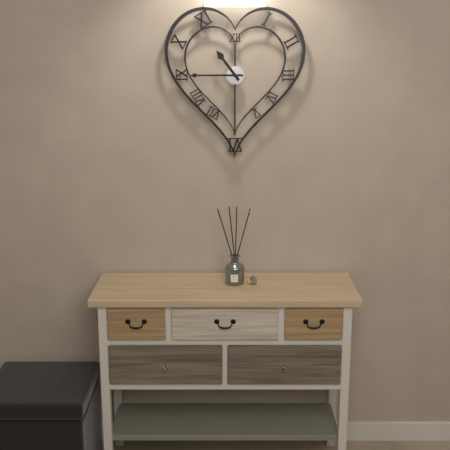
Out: **10:45**
